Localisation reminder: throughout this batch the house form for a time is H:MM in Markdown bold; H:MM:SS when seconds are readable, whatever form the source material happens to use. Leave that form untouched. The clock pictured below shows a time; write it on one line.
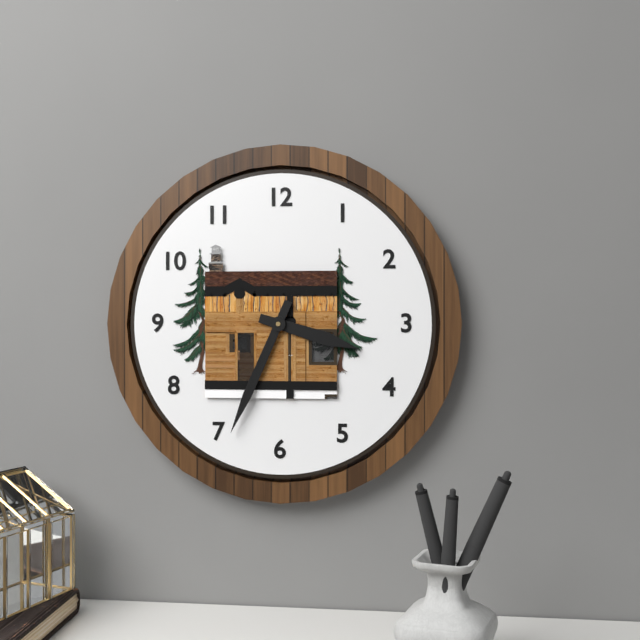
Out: **3:34**
